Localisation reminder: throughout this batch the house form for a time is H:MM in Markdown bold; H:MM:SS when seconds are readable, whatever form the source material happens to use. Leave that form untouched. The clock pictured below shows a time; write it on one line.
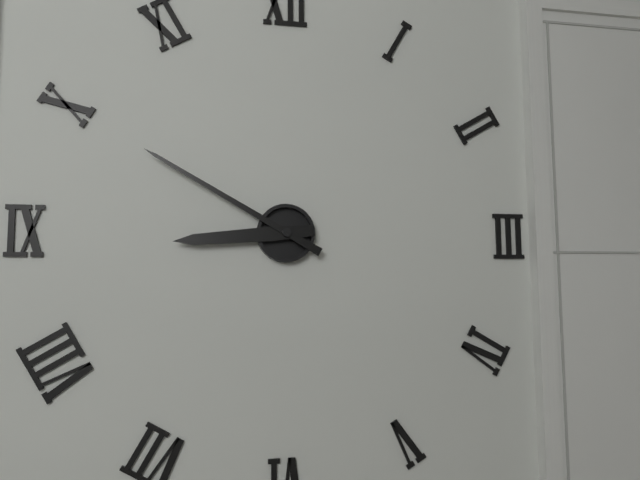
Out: **8:50**
